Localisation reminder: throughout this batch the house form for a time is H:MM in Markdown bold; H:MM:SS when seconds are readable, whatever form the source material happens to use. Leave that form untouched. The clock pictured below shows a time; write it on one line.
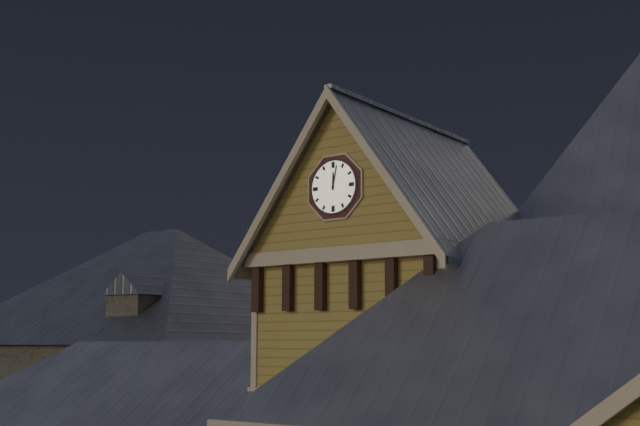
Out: **12:02**
